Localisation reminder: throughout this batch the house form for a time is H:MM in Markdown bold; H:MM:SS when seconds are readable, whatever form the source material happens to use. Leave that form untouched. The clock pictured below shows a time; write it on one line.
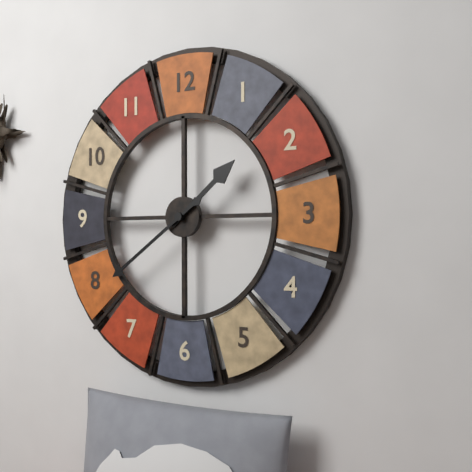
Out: **1:39**
